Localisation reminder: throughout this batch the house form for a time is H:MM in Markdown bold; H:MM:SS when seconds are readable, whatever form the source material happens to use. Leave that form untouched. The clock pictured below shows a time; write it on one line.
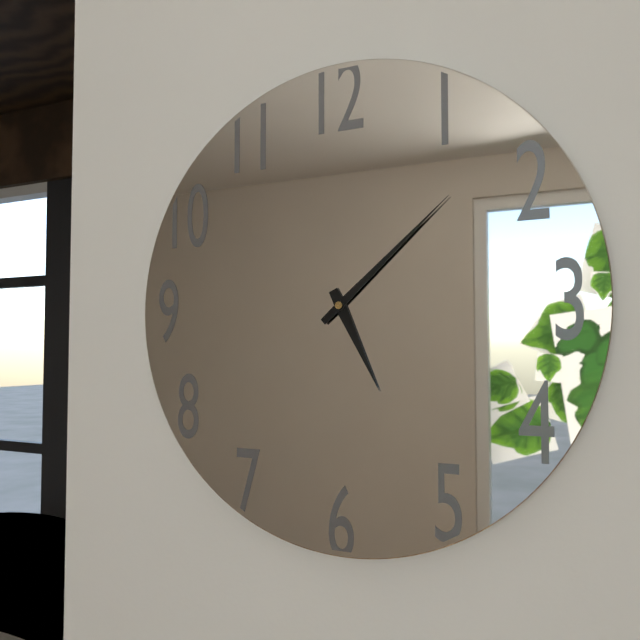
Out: **5:08**
